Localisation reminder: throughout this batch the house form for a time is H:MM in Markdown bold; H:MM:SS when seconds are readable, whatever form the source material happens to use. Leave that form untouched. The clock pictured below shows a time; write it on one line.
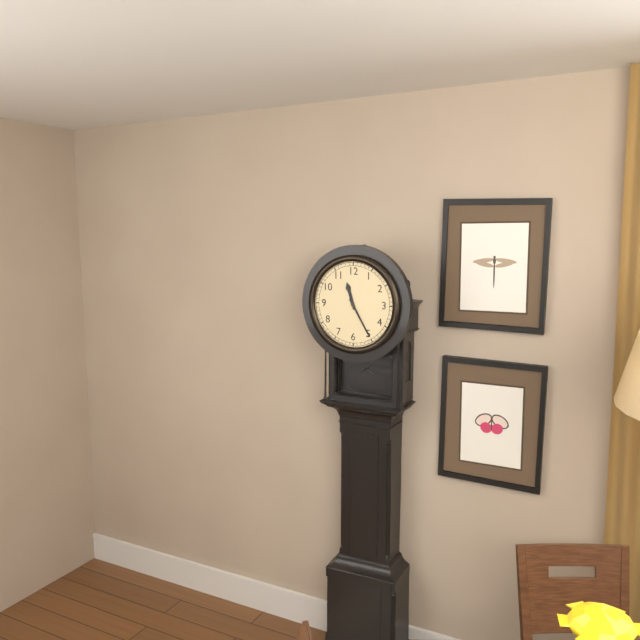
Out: **11:25**
